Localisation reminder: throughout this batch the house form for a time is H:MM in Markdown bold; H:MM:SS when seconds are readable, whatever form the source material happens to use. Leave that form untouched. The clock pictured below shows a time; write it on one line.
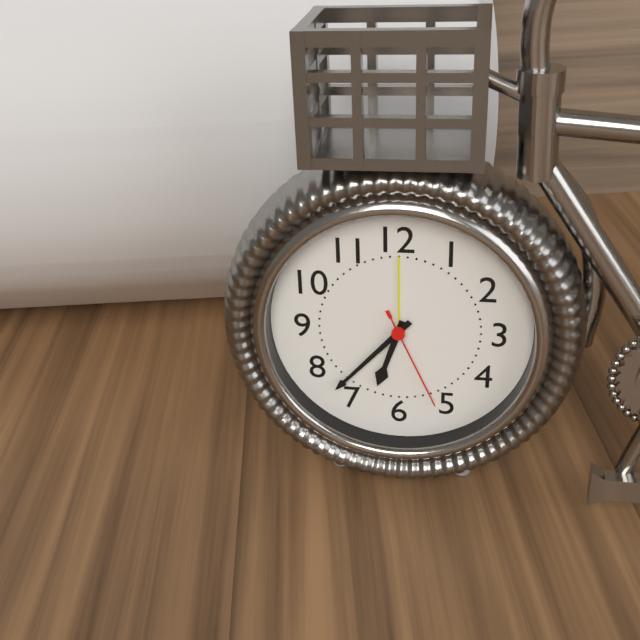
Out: **6:37:26**
